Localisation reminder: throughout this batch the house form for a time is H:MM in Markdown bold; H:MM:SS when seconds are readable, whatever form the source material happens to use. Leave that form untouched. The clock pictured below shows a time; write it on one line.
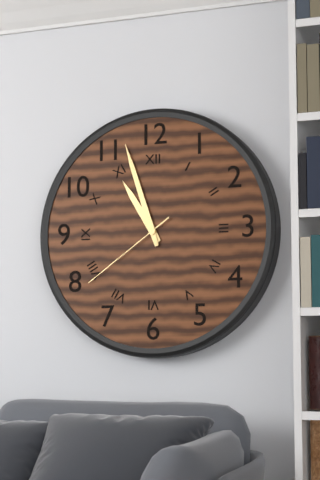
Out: **10:57:39**
